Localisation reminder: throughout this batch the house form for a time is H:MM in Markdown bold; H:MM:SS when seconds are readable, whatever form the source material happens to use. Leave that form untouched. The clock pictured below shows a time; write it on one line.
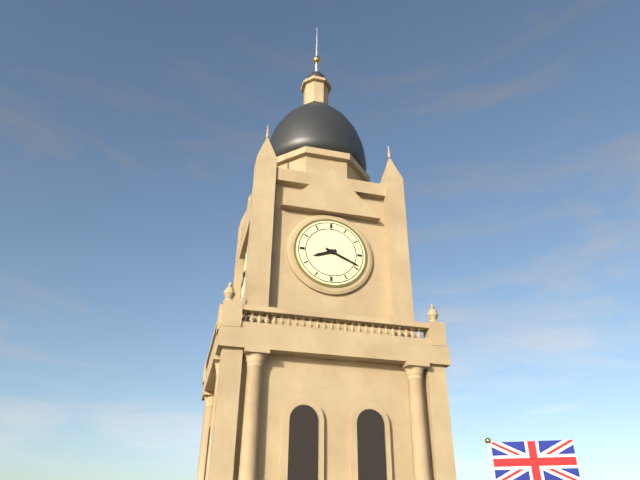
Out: **8:19**
